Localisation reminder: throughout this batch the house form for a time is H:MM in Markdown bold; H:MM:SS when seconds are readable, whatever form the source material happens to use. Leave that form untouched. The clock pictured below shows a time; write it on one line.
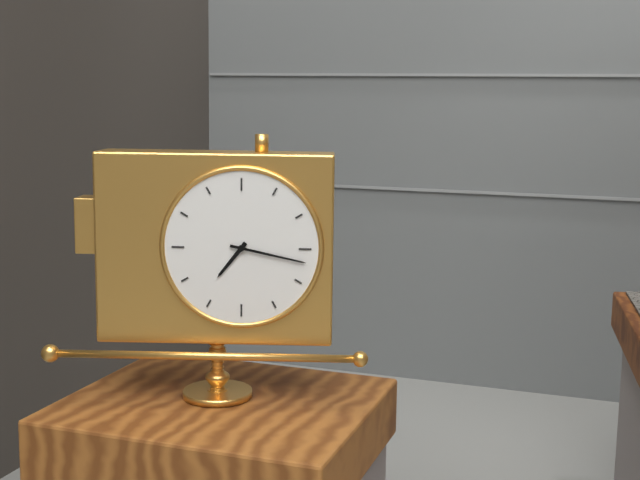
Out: **7:17**
